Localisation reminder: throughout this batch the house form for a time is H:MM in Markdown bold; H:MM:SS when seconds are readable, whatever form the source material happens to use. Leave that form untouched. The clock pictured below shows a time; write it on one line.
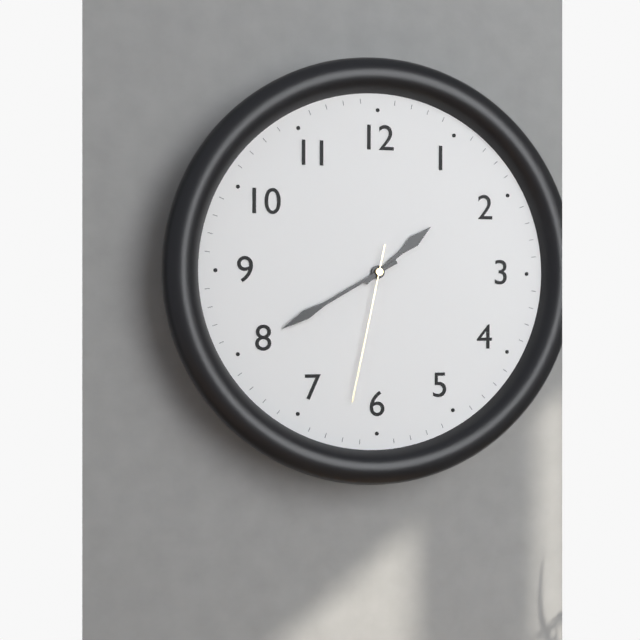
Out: **1:40:32**
